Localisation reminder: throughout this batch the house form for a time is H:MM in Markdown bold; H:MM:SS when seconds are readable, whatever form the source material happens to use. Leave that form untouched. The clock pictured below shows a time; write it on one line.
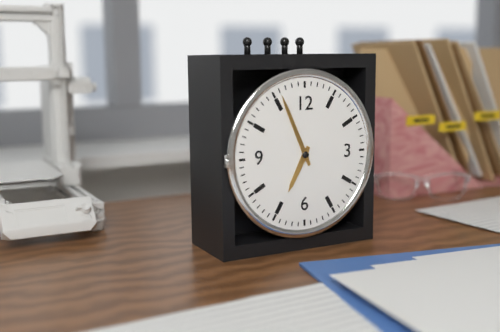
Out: **6:56**
